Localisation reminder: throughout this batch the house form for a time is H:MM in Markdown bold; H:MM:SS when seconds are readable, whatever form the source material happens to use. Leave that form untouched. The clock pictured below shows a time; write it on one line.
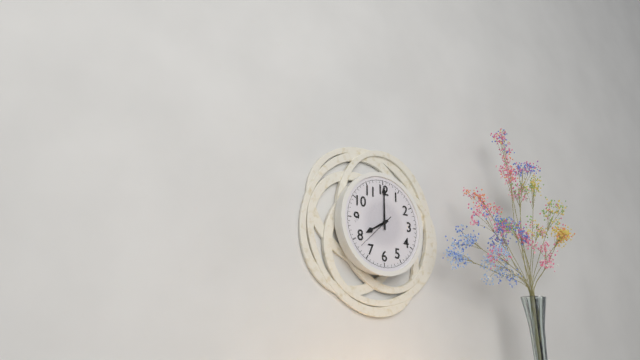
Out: **8:00**
